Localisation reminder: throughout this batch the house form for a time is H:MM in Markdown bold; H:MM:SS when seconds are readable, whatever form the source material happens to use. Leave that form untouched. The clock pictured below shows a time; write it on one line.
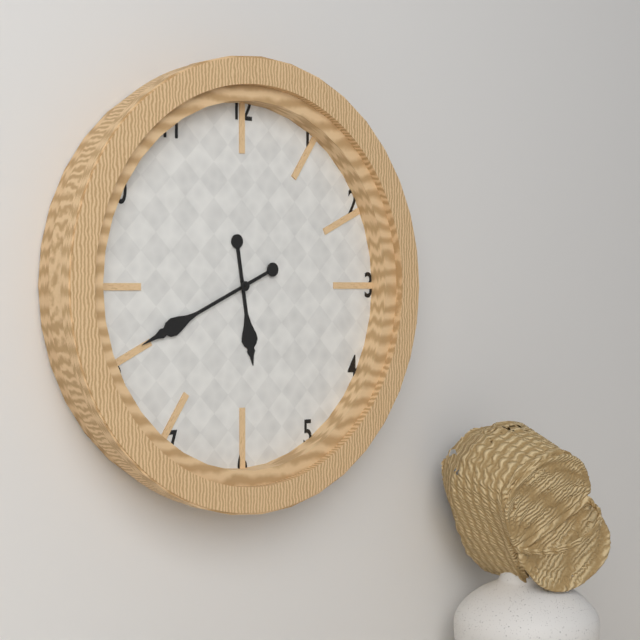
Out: **5:41**
